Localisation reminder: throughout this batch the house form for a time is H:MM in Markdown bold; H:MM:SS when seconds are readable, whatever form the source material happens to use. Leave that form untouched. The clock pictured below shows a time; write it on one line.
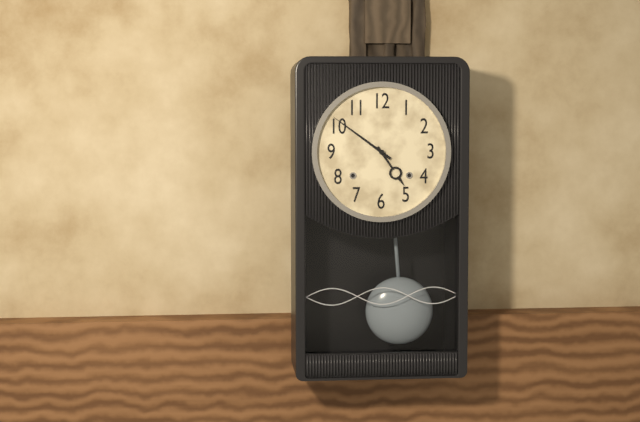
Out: **4:51**
